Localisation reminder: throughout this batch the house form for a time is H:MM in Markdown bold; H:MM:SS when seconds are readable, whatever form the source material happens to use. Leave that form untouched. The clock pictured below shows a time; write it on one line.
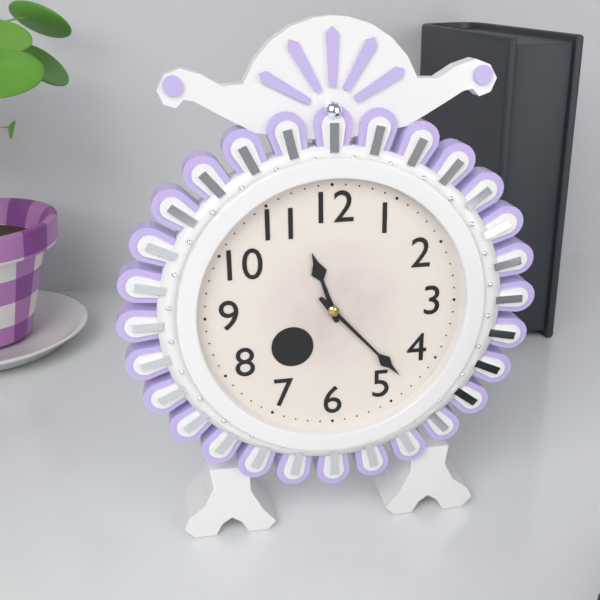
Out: **11:23**
